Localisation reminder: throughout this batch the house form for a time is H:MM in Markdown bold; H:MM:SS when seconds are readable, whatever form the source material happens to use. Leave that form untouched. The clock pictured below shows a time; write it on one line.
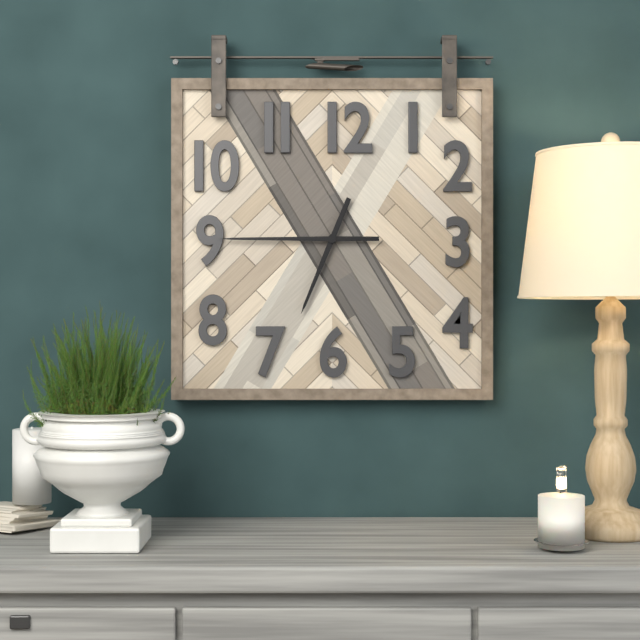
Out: **6:45**
